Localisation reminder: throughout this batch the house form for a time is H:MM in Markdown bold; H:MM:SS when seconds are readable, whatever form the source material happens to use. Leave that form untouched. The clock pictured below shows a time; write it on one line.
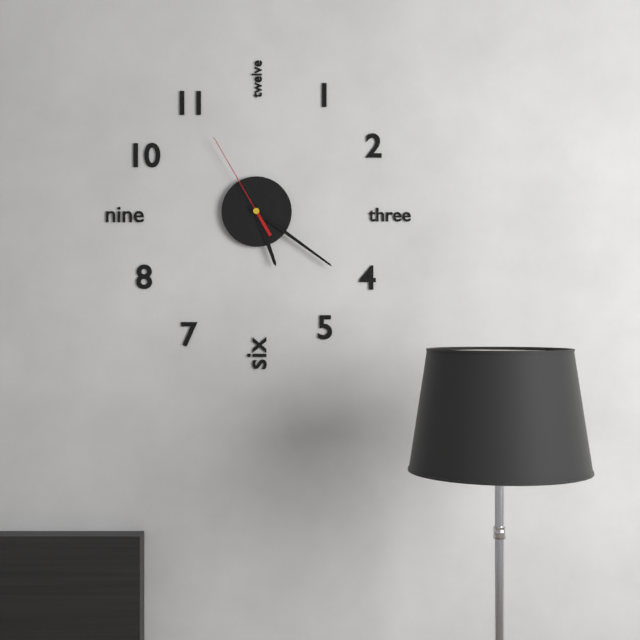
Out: **5:21:55**
